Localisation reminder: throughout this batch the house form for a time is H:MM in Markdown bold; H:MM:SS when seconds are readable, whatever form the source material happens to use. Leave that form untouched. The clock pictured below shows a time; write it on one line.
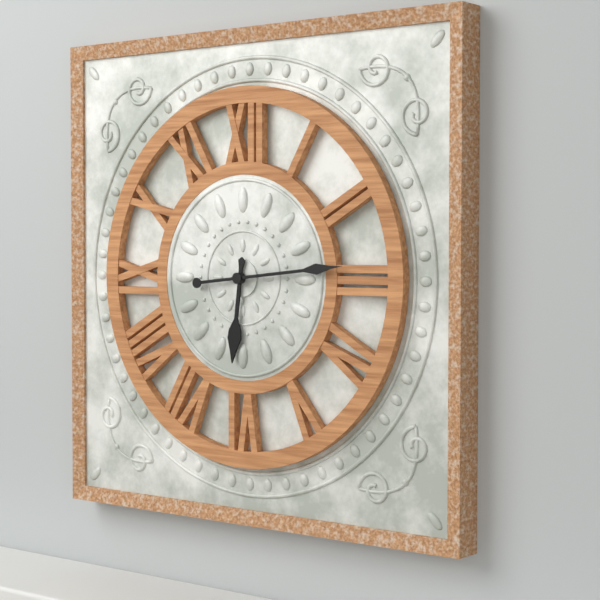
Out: **6:14**
